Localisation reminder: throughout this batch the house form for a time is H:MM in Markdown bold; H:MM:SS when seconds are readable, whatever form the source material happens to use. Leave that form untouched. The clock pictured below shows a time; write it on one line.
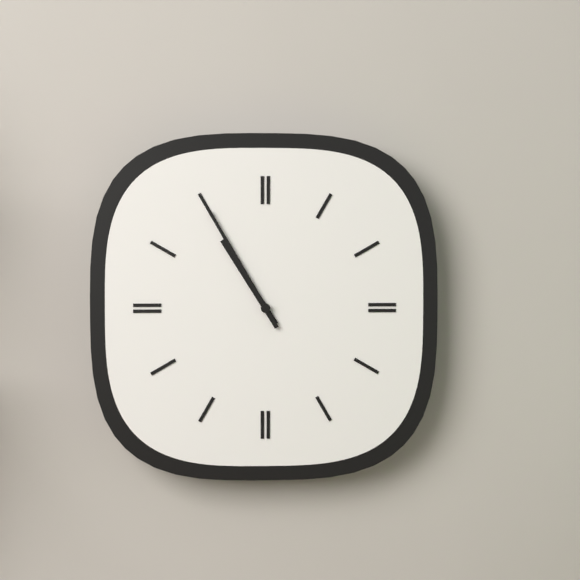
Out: **10:55**
